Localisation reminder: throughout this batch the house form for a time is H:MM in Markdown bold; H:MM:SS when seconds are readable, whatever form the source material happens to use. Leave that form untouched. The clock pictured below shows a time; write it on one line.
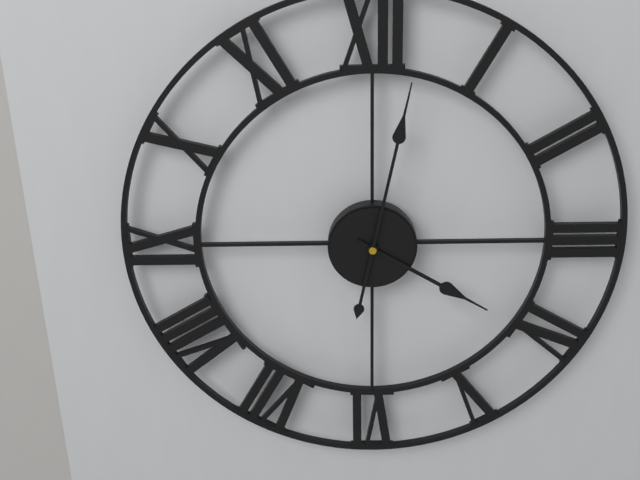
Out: **4:02**
